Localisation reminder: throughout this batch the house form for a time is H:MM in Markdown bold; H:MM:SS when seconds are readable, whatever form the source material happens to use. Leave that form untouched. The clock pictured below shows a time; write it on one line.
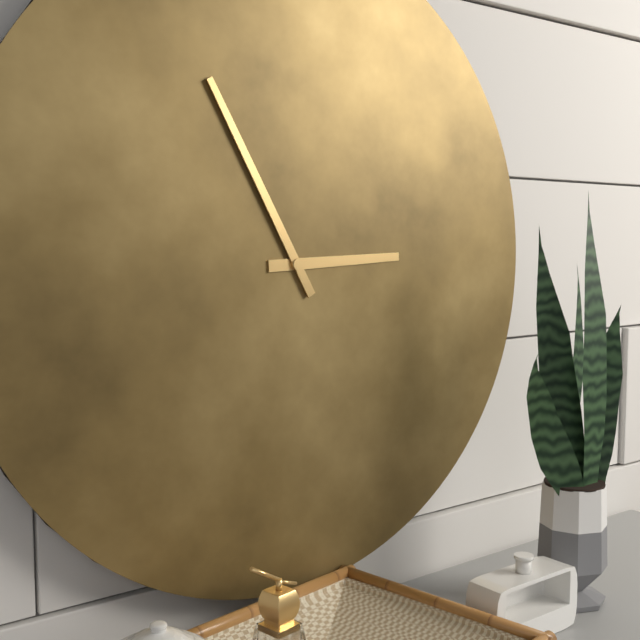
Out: **2:55**
